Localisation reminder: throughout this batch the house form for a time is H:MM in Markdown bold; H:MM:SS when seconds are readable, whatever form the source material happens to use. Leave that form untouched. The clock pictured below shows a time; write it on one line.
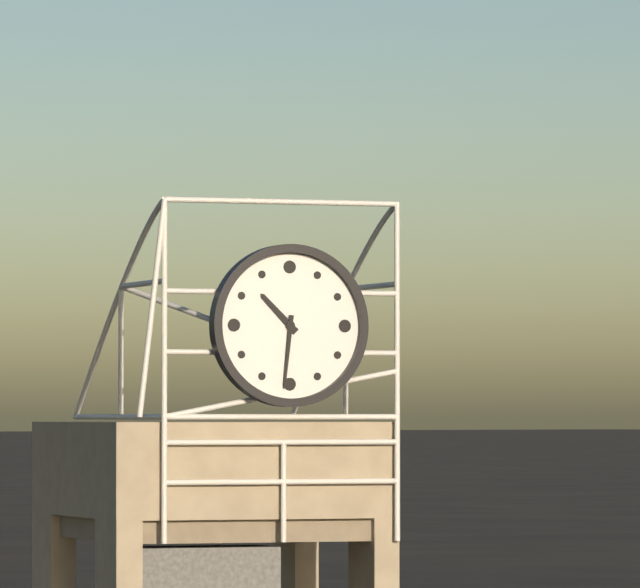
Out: **10:31**
